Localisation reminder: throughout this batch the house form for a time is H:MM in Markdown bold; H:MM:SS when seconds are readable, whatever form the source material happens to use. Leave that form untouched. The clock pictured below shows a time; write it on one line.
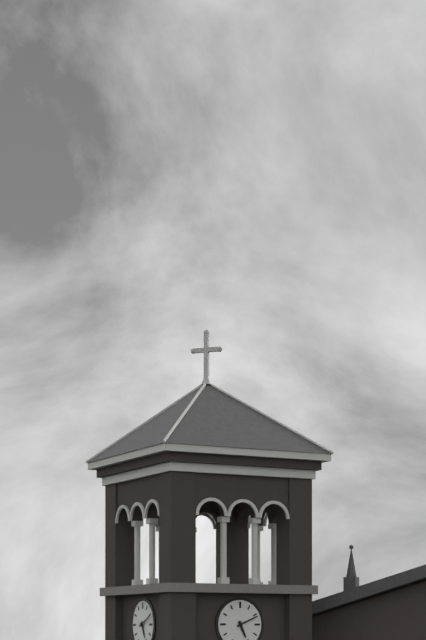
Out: **5:11**
